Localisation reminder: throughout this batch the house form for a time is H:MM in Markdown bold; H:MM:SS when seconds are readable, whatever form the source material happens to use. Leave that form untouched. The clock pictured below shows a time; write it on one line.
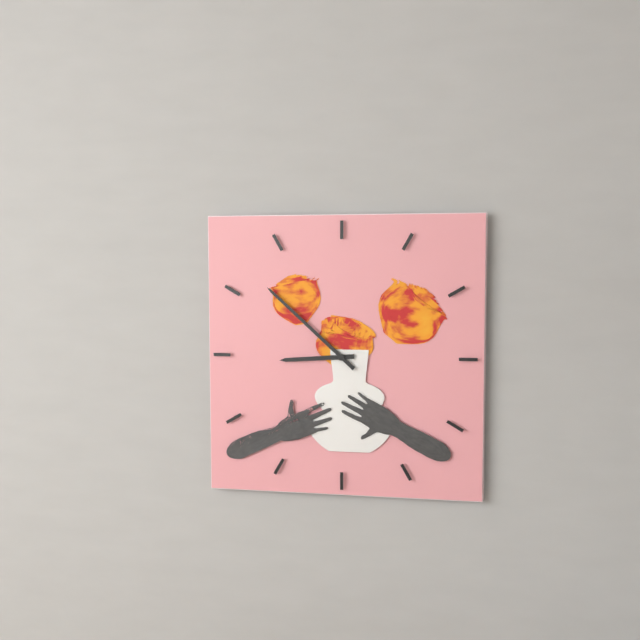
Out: **8:52**
